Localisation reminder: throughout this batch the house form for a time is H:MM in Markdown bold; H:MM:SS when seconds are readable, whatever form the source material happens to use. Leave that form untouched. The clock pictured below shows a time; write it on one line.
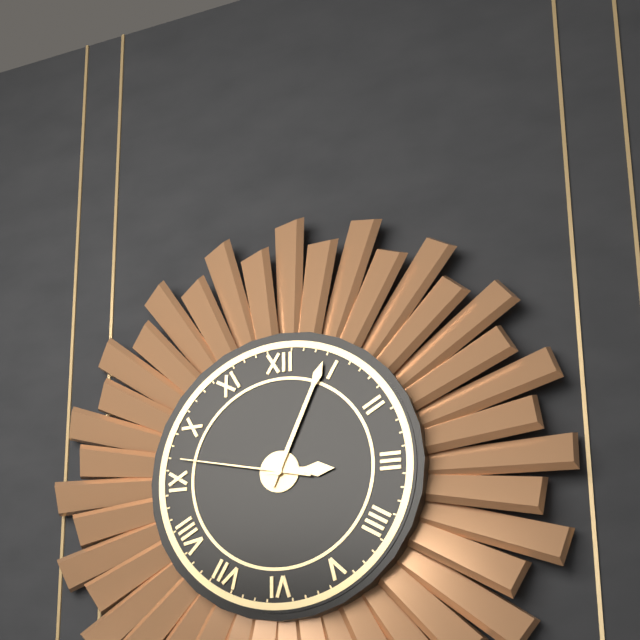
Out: **3:04:47**
